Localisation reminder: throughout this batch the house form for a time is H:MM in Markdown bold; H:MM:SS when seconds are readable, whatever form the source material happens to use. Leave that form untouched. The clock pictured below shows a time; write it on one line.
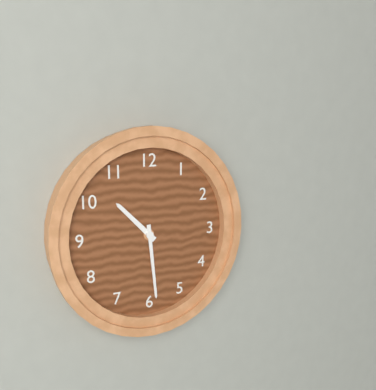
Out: **10:29**
